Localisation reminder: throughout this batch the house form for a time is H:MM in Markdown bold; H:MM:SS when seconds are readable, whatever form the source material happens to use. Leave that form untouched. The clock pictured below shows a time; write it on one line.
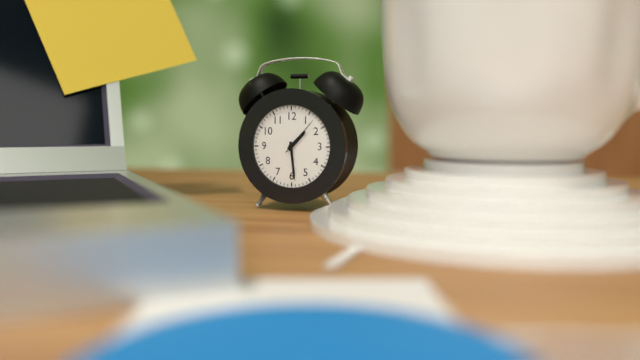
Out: **1:29**
